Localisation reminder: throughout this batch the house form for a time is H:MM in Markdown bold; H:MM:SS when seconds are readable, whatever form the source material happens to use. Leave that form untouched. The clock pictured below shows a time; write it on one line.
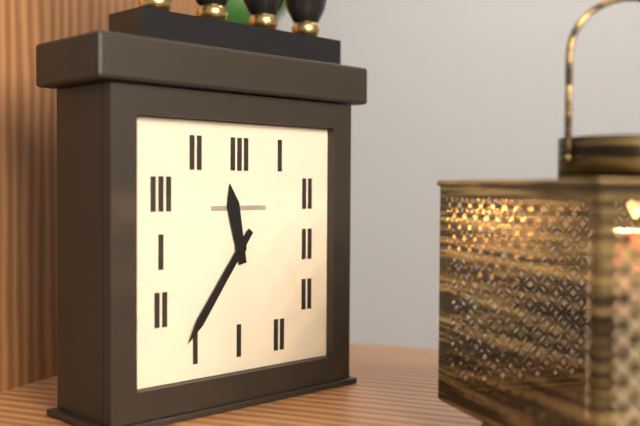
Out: **11:36**
